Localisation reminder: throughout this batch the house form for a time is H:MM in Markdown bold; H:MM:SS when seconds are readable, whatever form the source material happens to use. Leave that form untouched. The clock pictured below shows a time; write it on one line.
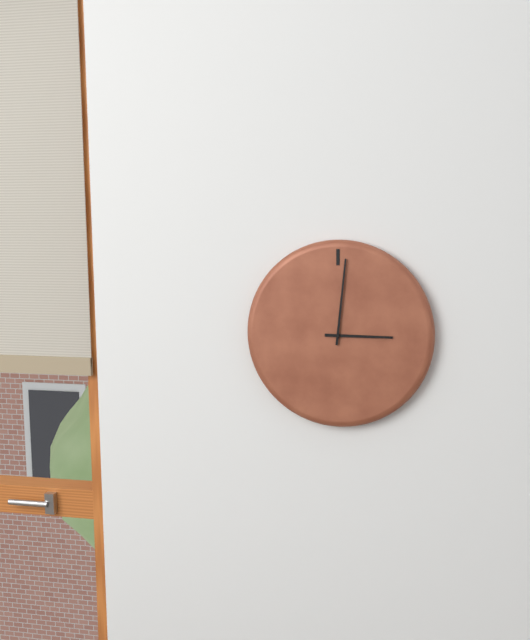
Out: **3:01**
